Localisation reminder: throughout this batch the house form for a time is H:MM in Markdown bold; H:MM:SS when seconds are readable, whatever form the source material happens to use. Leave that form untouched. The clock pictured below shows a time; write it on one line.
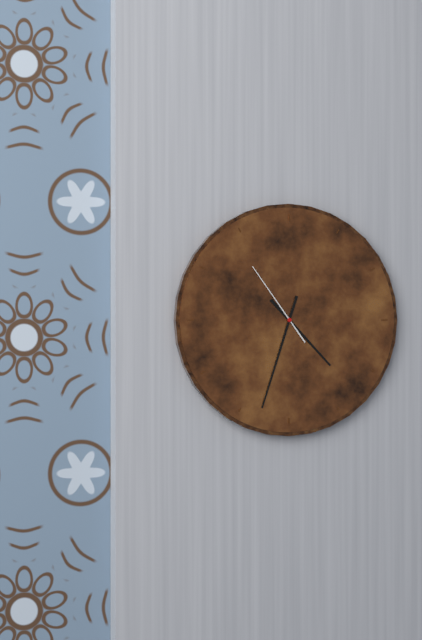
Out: **4:33:54**
